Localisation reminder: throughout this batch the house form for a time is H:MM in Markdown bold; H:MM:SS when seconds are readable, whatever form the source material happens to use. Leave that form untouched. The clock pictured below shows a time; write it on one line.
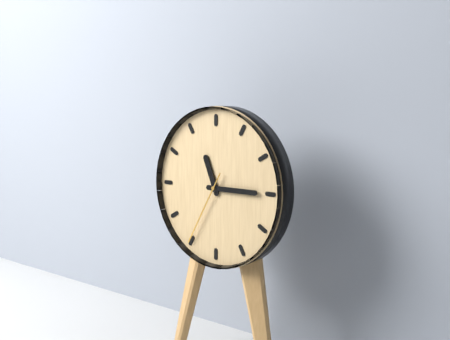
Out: **11:15:35**
